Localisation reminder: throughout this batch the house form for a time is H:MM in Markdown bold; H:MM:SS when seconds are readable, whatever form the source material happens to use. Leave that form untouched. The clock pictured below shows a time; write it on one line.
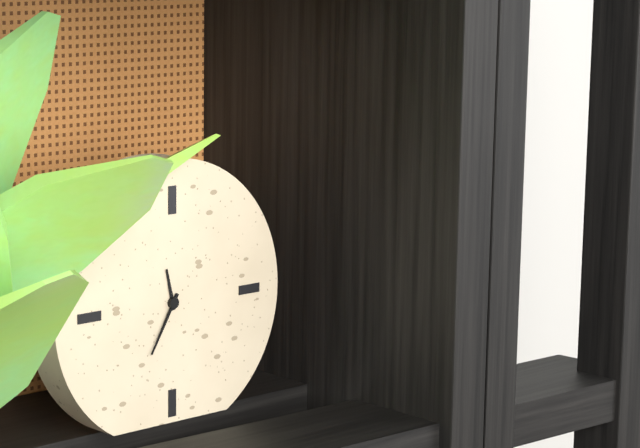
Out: **11:35**
